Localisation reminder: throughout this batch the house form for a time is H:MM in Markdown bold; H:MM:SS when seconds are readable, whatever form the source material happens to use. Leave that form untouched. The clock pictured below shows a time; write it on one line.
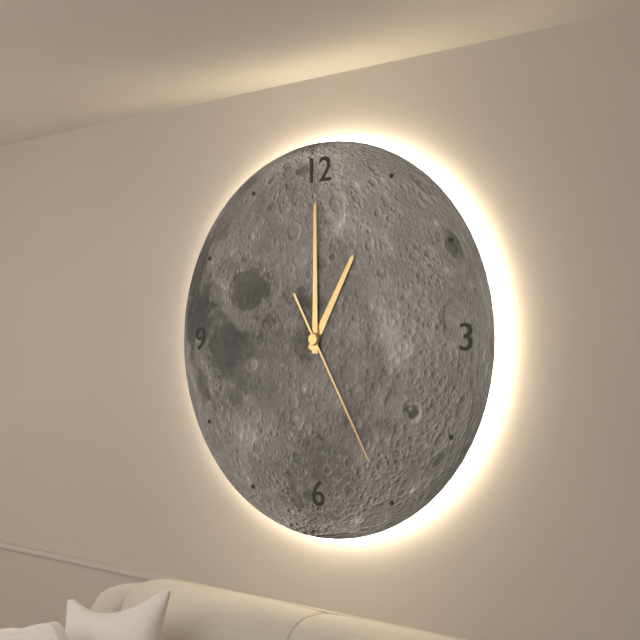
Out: **1:00:25**
